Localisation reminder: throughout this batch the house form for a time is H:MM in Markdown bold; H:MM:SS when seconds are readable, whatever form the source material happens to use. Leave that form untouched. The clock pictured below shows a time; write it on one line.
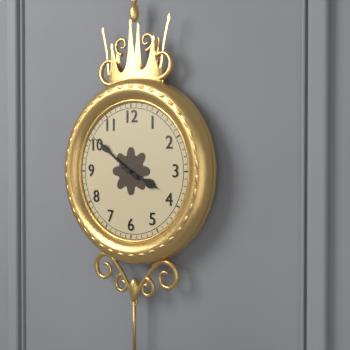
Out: **3:51**
